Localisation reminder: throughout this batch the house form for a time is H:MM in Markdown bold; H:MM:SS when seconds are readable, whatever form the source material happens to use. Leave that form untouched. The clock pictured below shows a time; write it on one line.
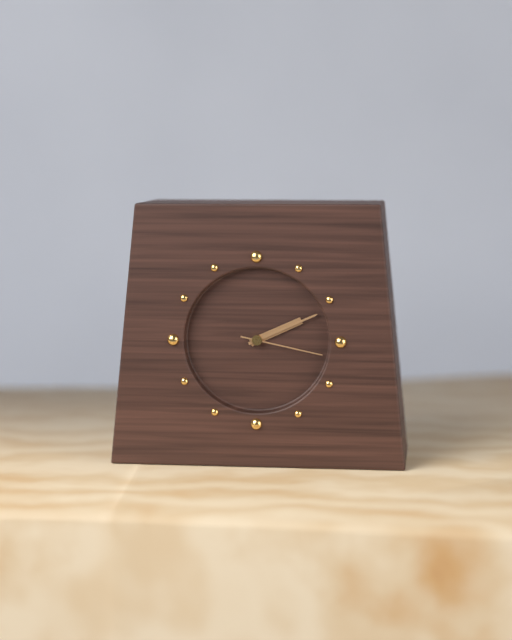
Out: **2:11:17**
